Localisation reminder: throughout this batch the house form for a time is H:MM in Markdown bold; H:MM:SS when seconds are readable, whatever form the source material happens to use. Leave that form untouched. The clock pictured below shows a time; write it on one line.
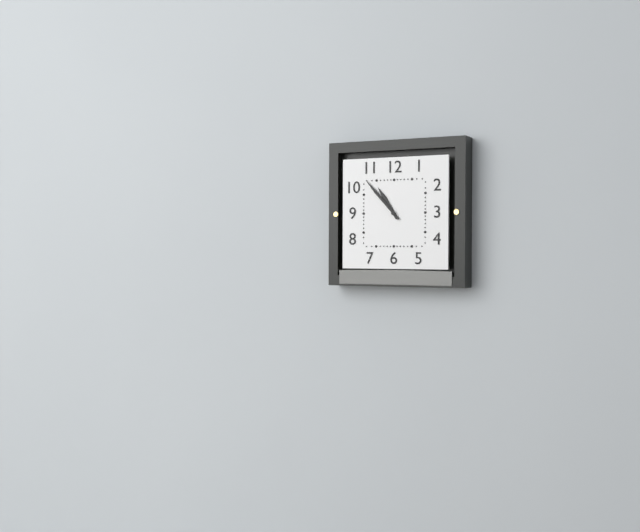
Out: **10:53**
